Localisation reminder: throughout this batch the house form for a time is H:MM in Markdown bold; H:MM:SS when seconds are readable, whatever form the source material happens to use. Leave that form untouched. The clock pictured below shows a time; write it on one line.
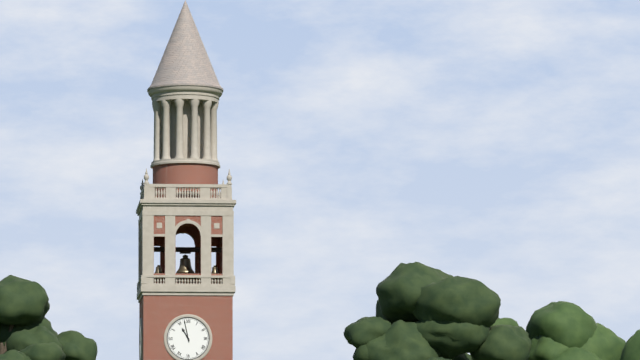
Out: **10:58**
